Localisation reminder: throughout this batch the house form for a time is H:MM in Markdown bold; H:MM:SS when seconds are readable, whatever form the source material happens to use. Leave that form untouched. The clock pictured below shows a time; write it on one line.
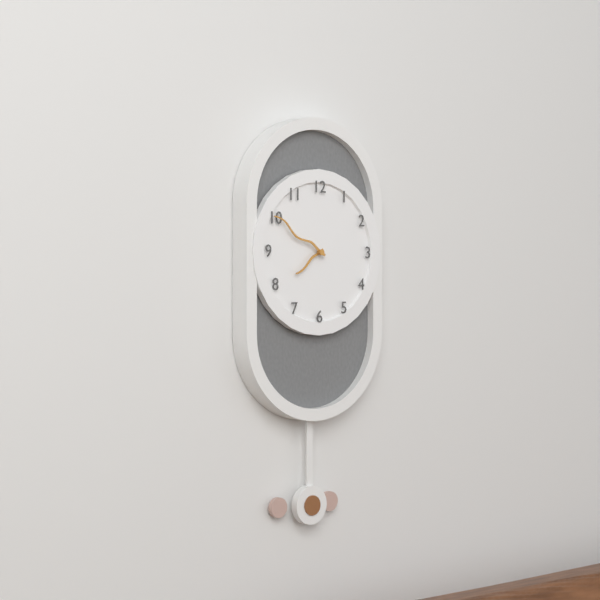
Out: **7:50**
